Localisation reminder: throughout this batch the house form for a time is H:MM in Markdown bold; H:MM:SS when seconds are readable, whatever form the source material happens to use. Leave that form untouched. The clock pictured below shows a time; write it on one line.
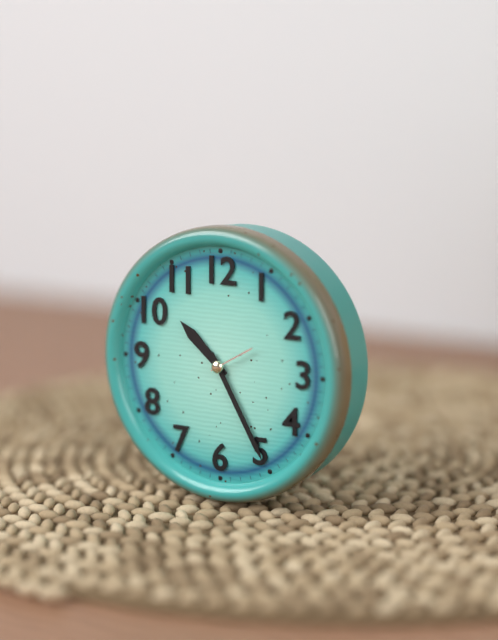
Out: **10:25:10**
